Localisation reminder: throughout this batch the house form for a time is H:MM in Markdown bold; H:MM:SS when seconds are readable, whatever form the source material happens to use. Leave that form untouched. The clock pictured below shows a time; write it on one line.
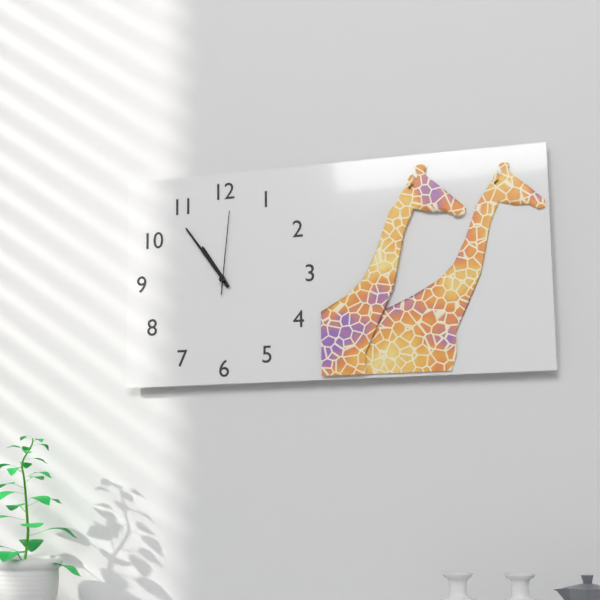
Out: **10:54:01**
